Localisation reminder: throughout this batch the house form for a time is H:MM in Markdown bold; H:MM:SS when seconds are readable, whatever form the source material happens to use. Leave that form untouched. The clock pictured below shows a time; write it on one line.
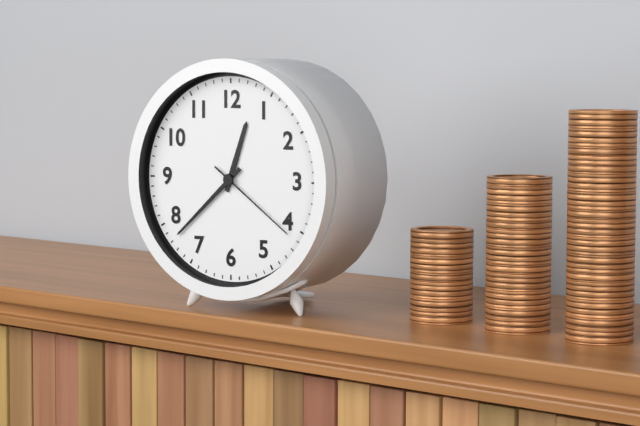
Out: **12:38:21**
